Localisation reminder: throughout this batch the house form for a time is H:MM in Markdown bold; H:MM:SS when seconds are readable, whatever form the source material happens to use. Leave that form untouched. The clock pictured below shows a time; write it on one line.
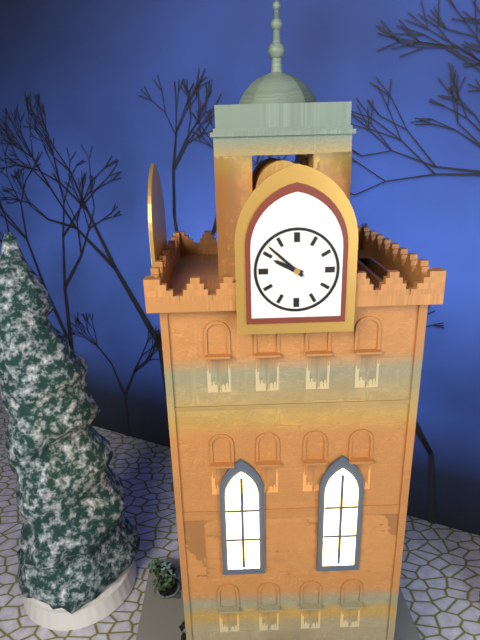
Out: **9:52**
